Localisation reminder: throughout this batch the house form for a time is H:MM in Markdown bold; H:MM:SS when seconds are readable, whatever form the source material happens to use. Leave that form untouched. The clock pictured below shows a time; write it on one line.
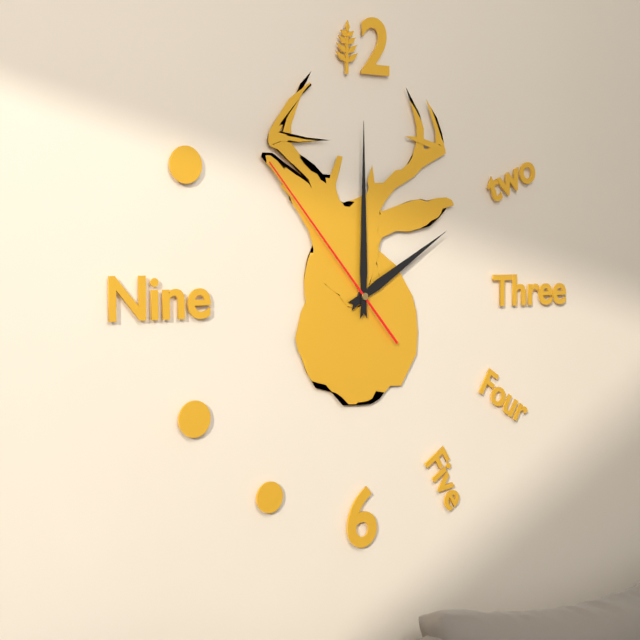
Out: **2:00:53**
